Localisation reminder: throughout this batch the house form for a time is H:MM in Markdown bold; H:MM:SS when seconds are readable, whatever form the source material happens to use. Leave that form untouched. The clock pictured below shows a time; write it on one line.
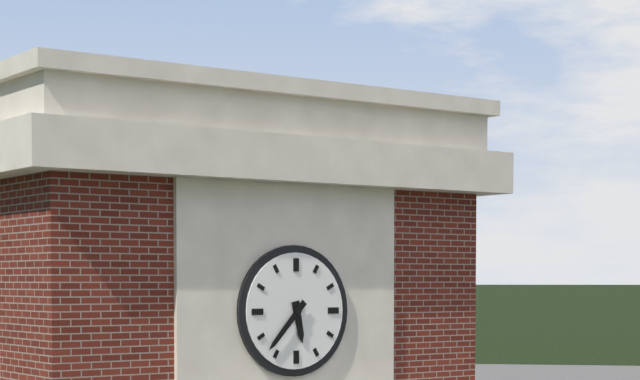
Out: **5:37**
